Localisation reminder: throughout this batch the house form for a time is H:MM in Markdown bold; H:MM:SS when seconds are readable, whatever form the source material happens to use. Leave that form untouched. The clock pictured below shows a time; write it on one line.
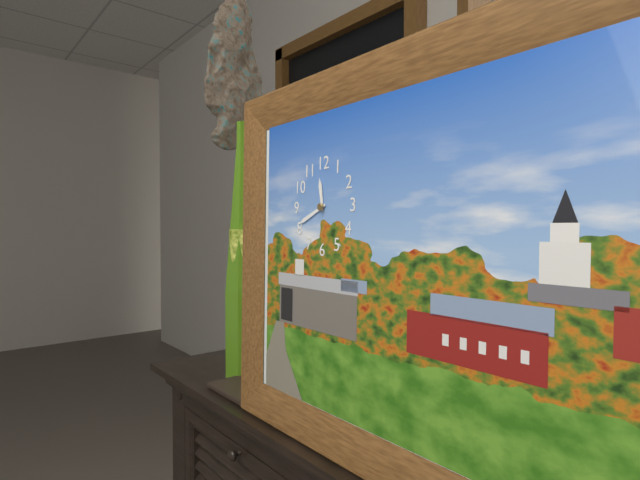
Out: **11:41**
